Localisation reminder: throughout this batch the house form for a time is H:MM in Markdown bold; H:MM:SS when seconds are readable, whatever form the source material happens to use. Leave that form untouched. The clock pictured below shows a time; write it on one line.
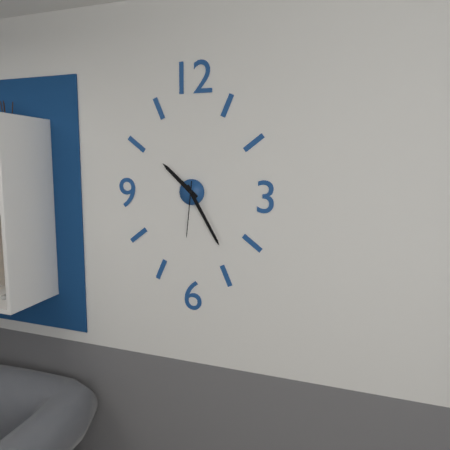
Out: **10:25:31**
